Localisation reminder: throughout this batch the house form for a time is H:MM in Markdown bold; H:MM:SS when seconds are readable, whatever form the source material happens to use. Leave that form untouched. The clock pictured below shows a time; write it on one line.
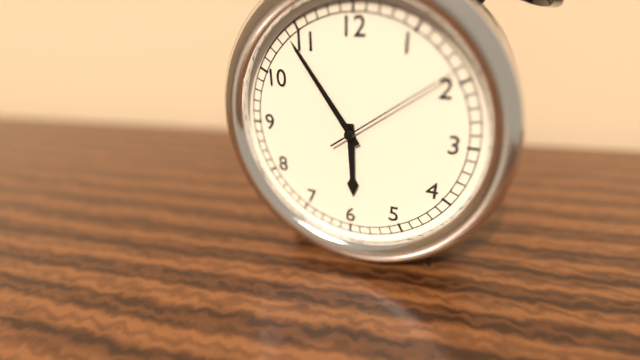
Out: **5:54:09**
